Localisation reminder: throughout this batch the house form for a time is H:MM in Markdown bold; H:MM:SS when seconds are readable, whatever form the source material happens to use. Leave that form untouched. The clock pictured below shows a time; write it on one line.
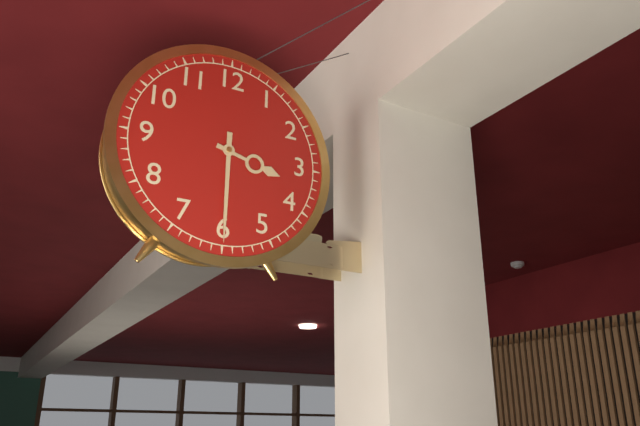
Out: **3:30**
